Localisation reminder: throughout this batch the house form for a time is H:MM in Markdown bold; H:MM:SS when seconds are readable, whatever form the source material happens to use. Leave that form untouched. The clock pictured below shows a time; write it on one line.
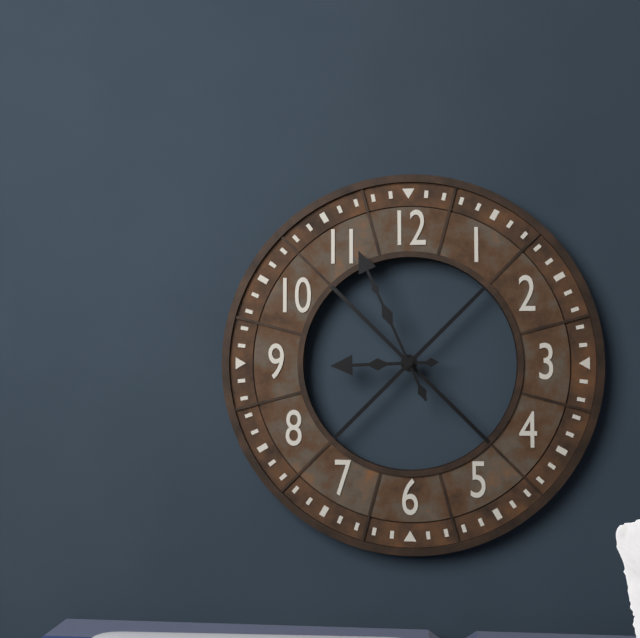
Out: **8:56**
